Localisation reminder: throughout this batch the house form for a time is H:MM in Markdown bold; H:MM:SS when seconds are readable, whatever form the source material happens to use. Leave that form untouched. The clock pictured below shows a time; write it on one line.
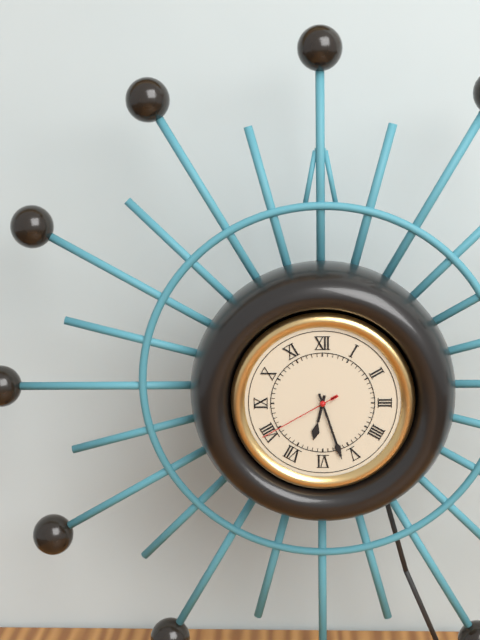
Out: **6:27:40**
